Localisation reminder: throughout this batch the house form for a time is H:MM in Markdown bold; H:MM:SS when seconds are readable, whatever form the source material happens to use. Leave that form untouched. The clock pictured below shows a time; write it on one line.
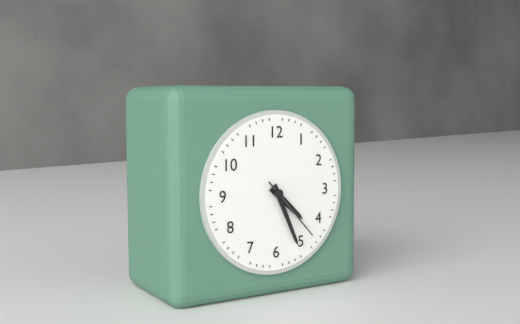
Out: **4:26:23**
